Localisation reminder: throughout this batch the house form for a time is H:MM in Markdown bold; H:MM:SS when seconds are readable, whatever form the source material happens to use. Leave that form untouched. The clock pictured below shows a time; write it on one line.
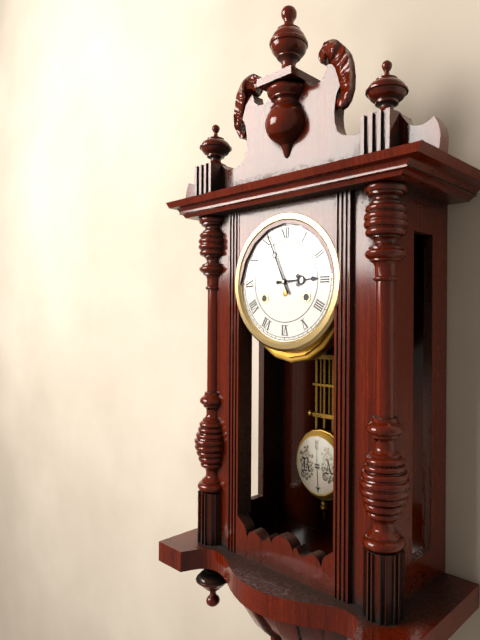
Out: **2:56**
